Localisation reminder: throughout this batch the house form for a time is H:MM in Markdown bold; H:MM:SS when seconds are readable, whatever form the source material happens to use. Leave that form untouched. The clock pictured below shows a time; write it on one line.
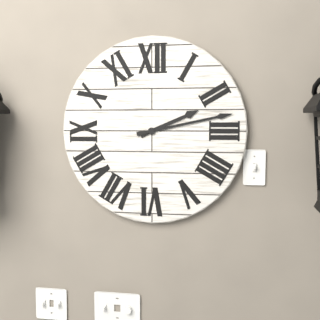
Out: **2:13**
